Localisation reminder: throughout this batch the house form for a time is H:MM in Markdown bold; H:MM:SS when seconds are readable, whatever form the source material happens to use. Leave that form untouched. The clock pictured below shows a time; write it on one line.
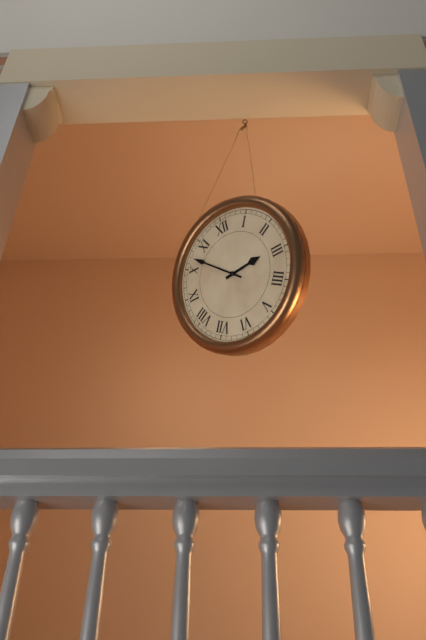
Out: **2:52**
